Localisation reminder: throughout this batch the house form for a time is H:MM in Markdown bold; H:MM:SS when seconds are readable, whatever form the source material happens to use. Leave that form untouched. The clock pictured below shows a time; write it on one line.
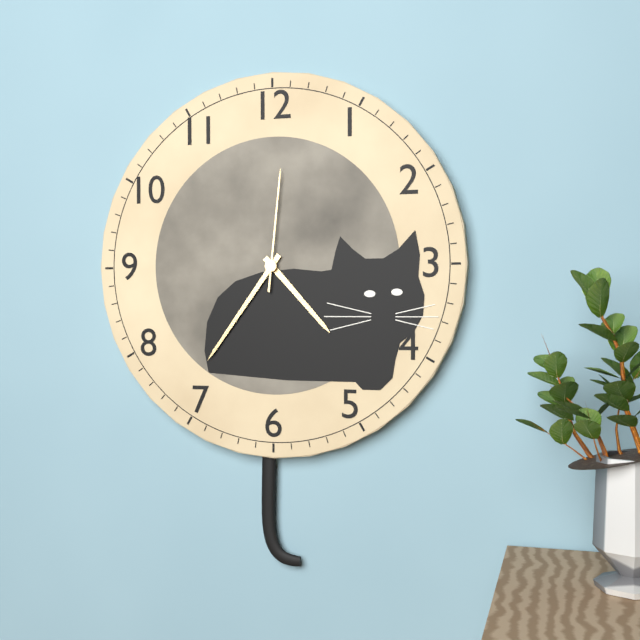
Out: **4:36:01**
